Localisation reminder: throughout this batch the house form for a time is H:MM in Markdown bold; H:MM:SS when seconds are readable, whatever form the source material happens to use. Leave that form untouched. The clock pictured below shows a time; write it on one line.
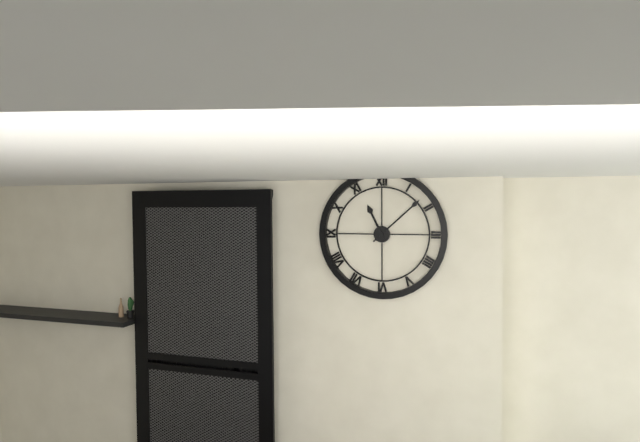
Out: **11:08**
